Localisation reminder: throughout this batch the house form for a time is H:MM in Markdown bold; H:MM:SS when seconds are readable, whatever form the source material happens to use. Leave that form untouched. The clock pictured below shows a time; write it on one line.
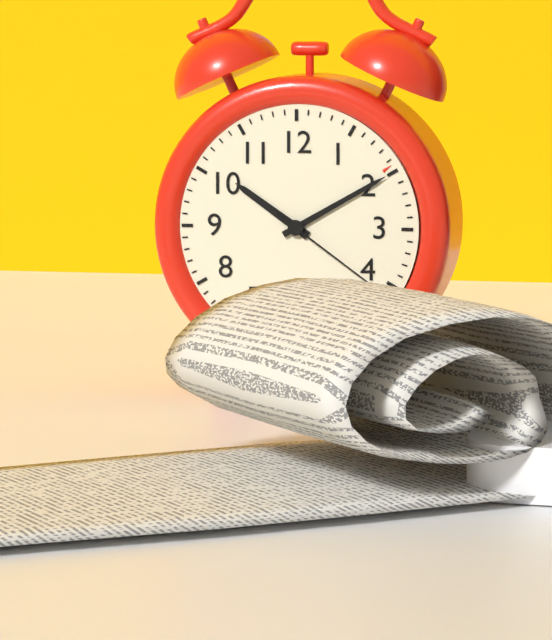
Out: **10:10:21**
